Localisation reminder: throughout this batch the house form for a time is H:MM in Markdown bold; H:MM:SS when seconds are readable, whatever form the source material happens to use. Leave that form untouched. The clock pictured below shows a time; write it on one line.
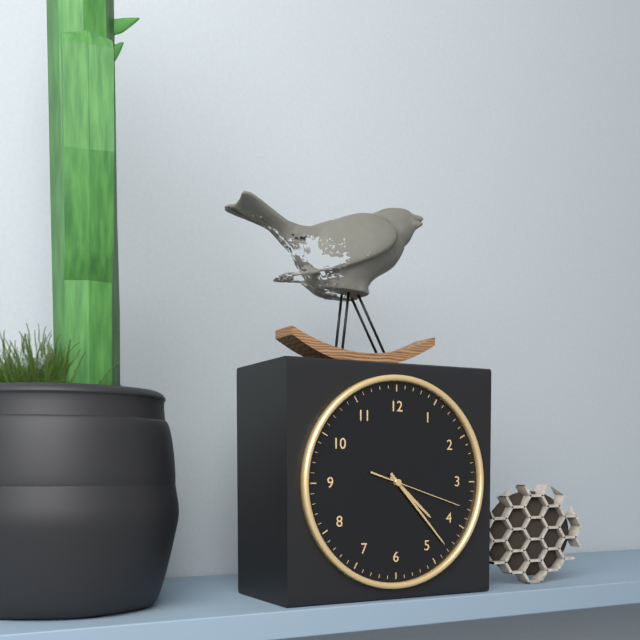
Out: **4:23:18**
